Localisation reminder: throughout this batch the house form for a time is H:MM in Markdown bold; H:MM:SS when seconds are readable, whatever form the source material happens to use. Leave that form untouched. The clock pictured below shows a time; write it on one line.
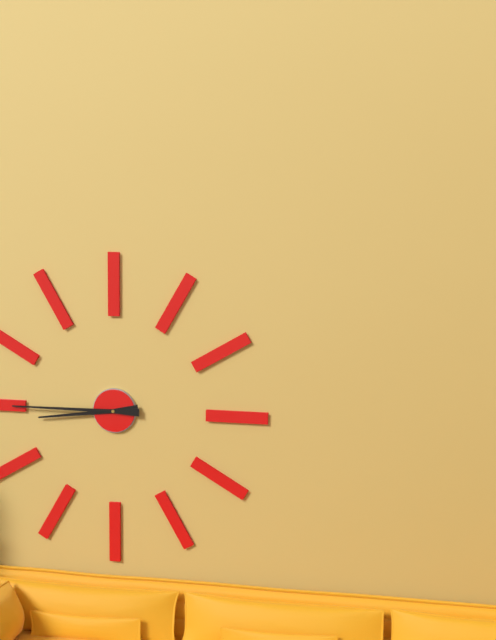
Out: **8:45**
